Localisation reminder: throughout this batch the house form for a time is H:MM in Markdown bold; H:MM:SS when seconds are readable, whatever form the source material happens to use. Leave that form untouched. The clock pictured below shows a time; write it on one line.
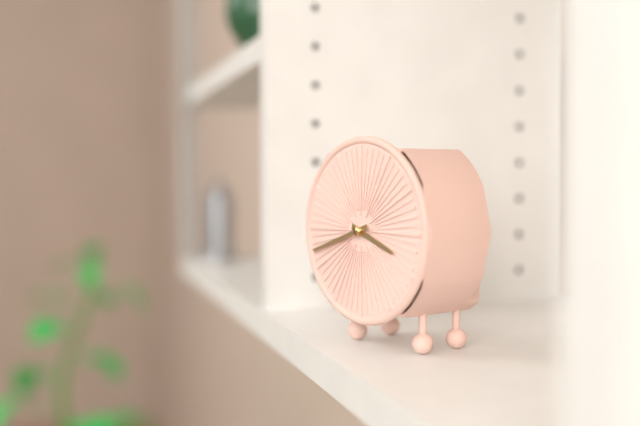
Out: **3:42**
